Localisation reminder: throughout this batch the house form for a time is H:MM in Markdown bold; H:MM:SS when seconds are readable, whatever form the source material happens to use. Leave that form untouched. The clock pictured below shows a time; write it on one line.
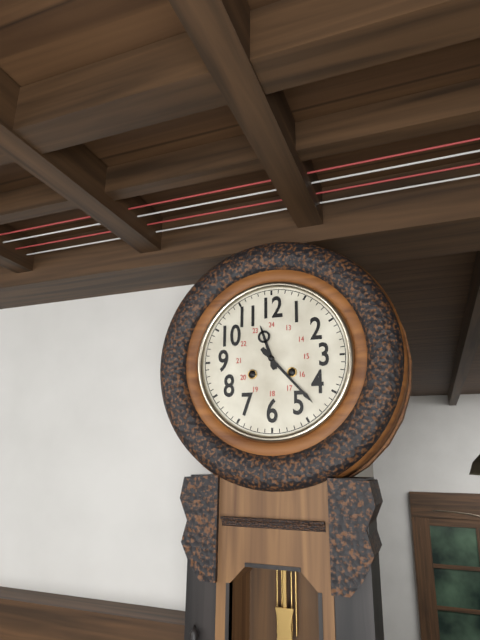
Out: **11:23**
